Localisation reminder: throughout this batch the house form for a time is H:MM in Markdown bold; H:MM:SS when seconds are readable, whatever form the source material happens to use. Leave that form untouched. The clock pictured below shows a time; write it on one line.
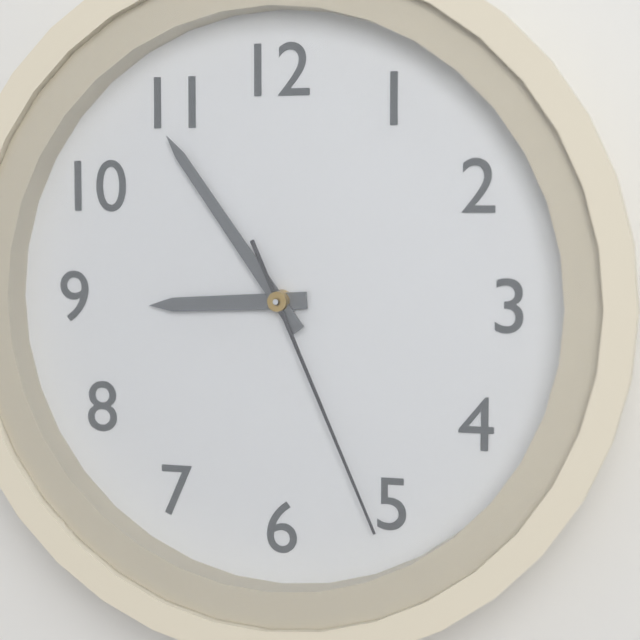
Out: **8:54:26**
